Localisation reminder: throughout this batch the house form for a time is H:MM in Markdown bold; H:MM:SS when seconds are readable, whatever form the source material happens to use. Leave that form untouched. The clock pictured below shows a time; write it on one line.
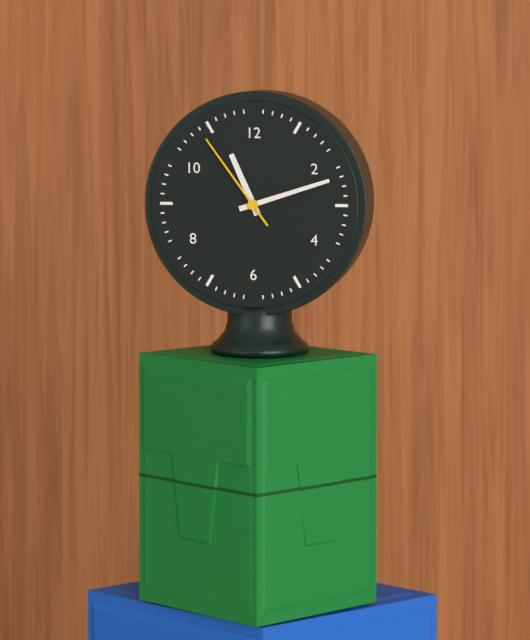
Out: **11:12:54**
